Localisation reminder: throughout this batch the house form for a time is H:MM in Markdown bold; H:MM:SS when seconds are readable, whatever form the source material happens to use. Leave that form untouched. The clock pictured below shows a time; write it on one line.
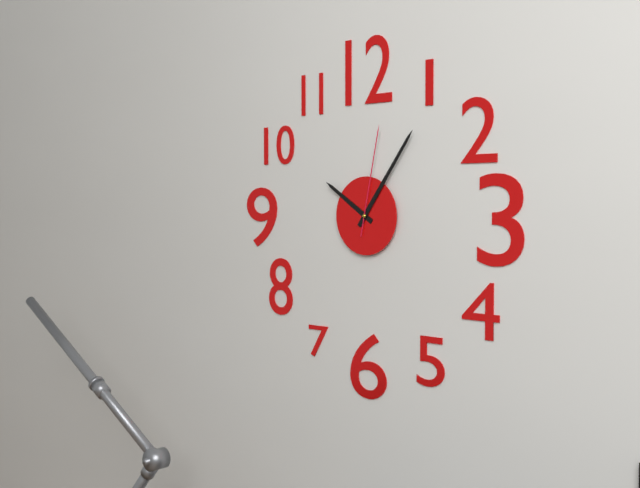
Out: **10:06:02**
